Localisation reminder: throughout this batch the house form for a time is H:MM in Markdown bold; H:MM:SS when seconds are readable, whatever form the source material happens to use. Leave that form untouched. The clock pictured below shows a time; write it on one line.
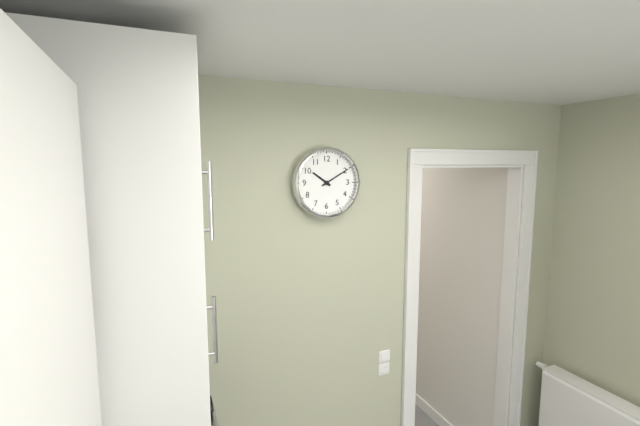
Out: **10:10**
